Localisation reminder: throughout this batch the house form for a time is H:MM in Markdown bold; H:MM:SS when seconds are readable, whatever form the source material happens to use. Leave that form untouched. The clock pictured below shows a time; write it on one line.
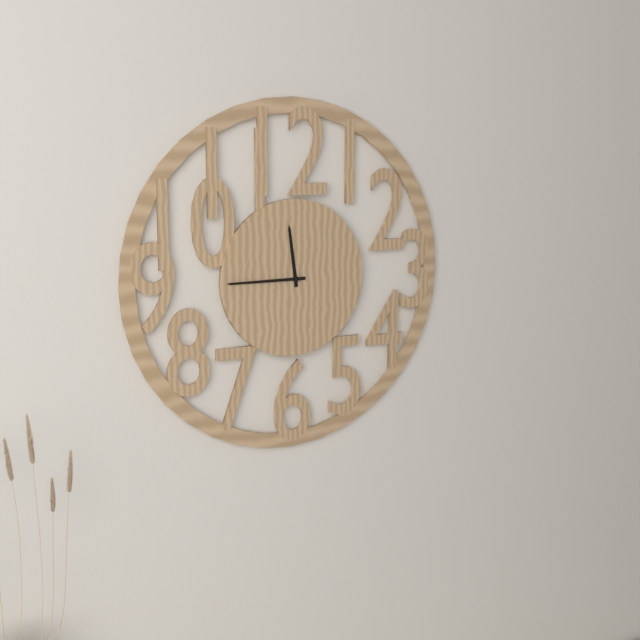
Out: **11:45**
